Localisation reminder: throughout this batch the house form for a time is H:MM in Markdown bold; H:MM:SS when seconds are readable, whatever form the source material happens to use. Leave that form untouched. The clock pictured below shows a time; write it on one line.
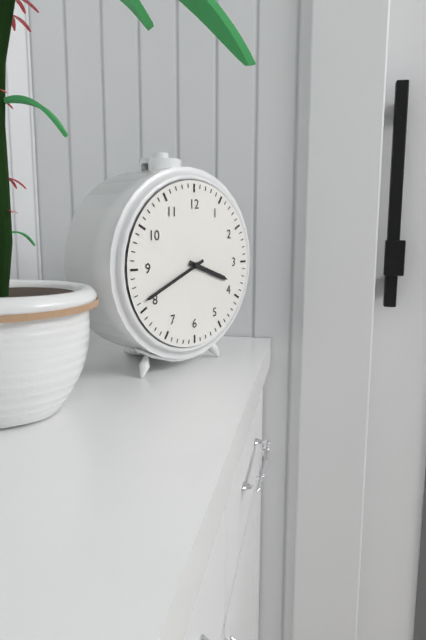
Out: **3:41**
